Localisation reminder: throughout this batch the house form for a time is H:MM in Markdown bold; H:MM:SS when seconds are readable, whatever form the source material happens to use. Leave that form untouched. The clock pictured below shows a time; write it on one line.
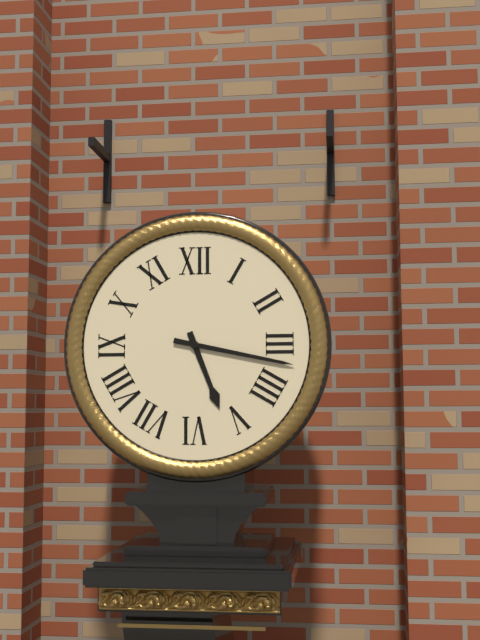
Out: **5:17**
